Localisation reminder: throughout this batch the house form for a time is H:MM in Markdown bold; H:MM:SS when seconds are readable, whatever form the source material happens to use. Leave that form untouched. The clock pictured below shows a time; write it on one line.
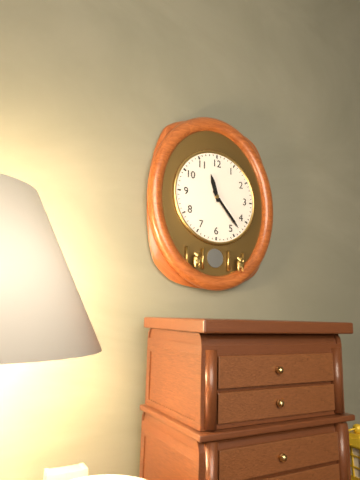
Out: **11:23**
